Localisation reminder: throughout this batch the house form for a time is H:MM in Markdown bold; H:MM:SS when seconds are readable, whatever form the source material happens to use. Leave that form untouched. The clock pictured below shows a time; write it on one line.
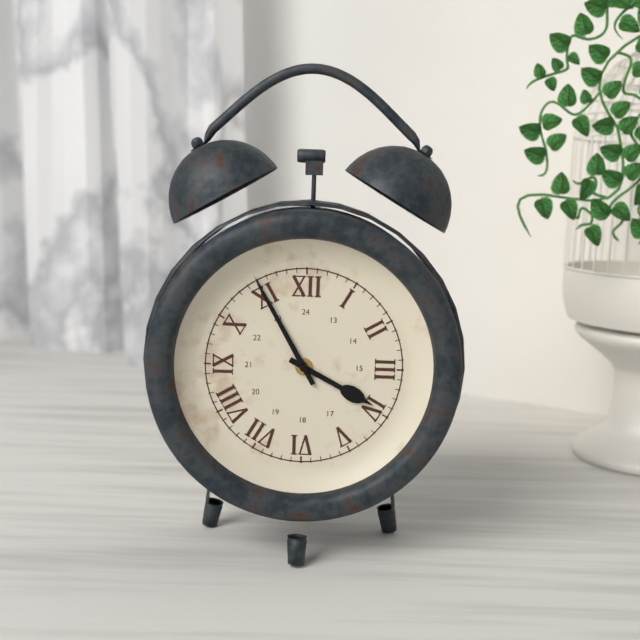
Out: **3:55**
